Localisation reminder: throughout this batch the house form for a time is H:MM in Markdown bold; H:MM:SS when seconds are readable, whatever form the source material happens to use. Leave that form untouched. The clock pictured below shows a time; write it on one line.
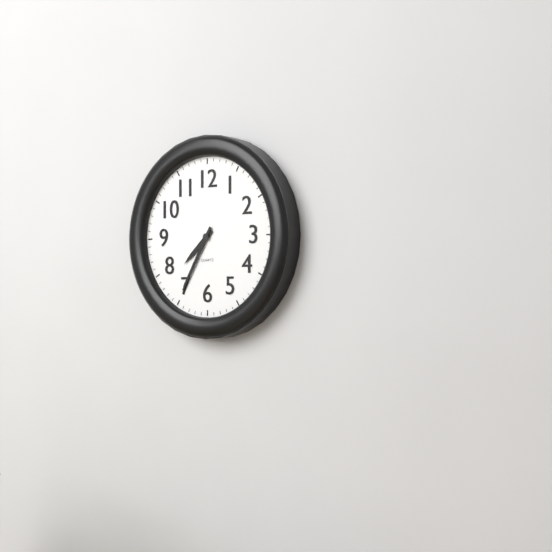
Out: **7:35**
